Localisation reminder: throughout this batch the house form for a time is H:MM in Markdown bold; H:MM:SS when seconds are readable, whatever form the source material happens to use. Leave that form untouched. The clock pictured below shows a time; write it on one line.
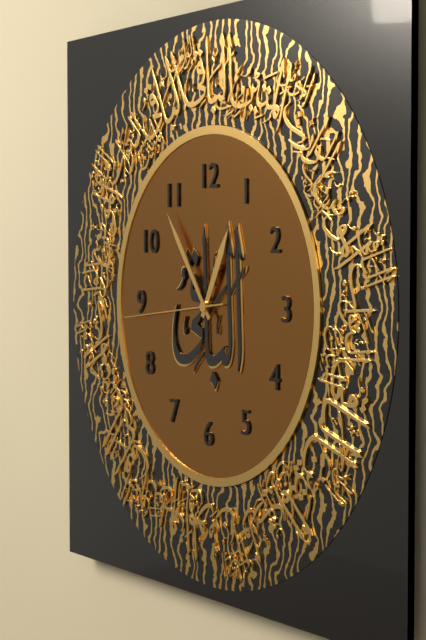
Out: **12:54:44**
